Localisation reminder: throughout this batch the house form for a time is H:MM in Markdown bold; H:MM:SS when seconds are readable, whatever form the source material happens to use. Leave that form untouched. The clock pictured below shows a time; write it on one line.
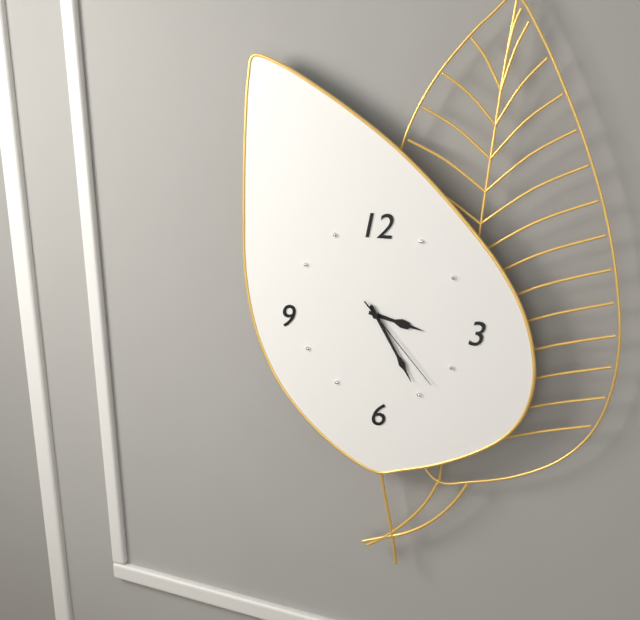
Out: **3:25:23**
